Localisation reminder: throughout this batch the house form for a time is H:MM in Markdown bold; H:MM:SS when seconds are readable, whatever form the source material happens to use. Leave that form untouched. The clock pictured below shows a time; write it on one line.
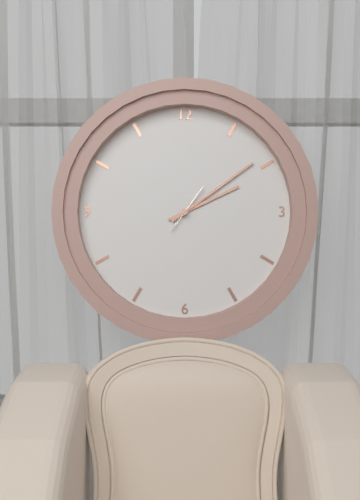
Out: **2:09**
